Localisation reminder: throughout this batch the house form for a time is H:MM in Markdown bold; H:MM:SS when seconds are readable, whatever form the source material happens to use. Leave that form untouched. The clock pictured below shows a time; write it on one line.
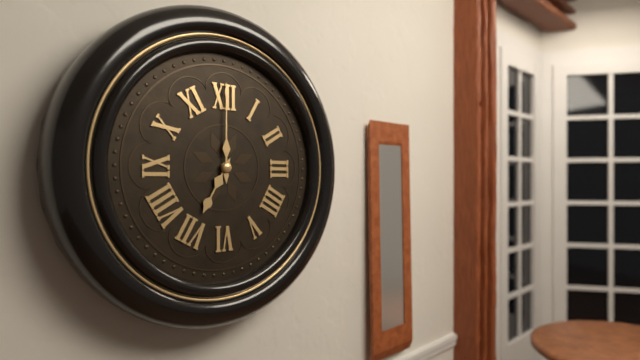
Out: **7:00**
